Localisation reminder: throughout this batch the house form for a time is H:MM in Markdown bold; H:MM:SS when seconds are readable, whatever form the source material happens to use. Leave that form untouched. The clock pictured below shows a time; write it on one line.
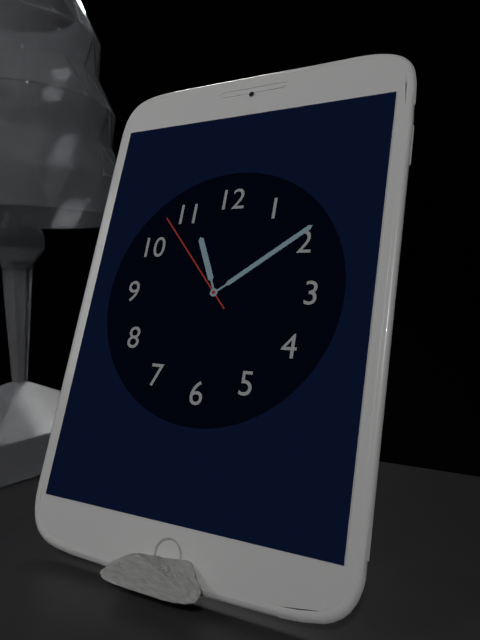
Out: **11:09:53**
